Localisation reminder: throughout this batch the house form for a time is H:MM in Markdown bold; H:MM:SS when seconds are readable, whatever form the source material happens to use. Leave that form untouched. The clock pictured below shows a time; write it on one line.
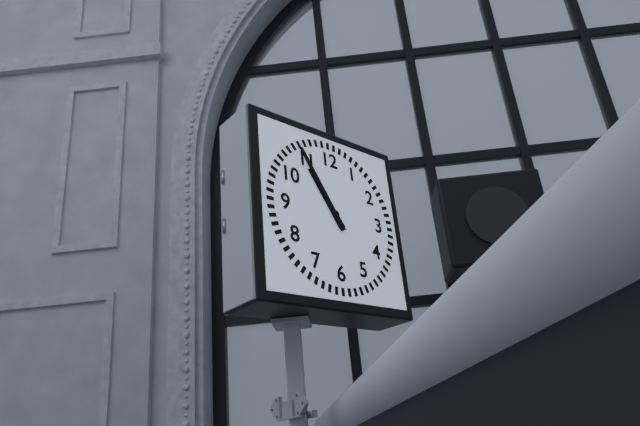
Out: **10:55**
